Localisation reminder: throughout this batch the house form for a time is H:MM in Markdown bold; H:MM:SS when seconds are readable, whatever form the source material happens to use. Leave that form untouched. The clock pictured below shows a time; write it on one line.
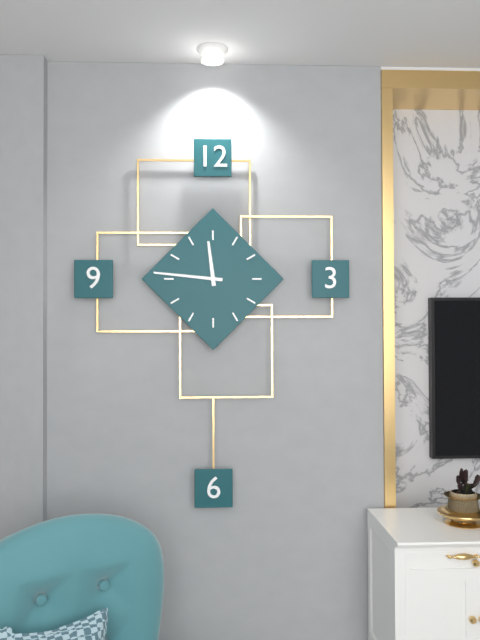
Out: **11:46**
